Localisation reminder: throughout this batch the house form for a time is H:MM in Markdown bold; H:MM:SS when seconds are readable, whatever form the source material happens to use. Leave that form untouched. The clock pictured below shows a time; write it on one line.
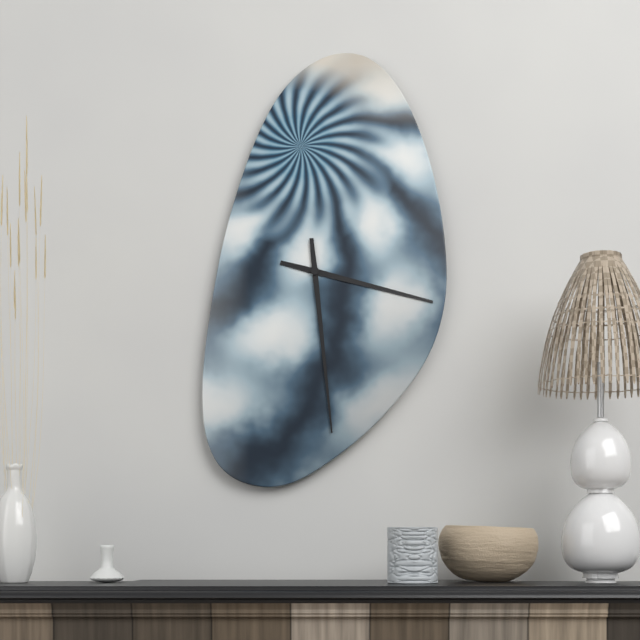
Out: **3:29**
